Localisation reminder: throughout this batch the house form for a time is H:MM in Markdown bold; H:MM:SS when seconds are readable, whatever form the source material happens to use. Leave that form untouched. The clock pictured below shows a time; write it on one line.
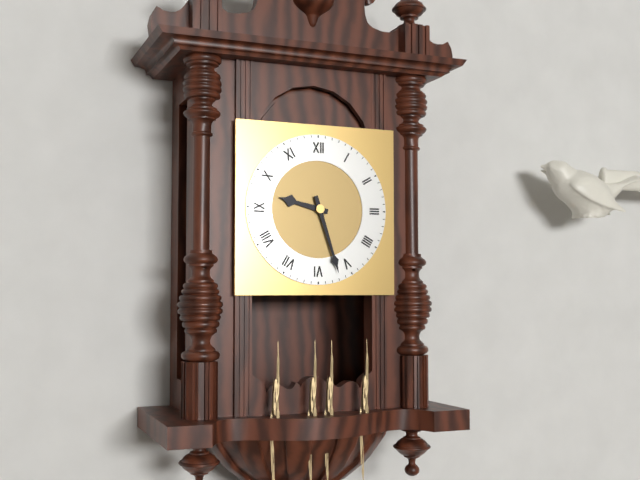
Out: **9:27**
